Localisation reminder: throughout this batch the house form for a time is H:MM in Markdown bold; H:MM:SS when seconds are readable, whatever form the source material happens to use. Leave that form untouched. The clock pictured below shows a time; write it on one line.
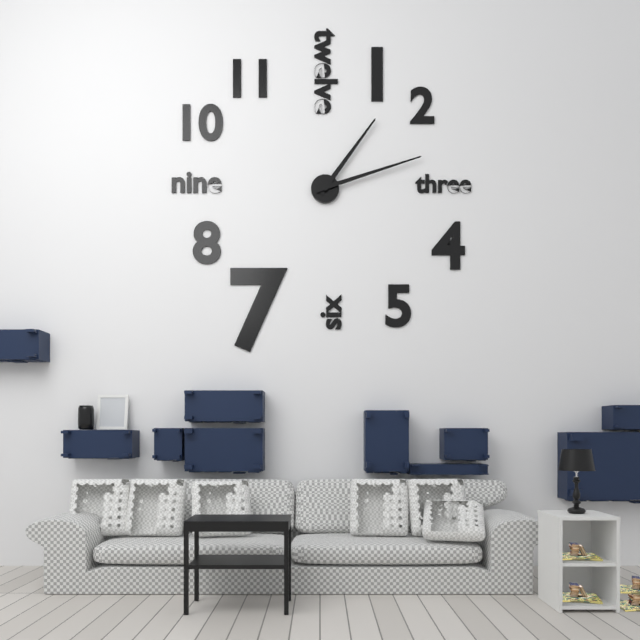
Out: **1:12**
